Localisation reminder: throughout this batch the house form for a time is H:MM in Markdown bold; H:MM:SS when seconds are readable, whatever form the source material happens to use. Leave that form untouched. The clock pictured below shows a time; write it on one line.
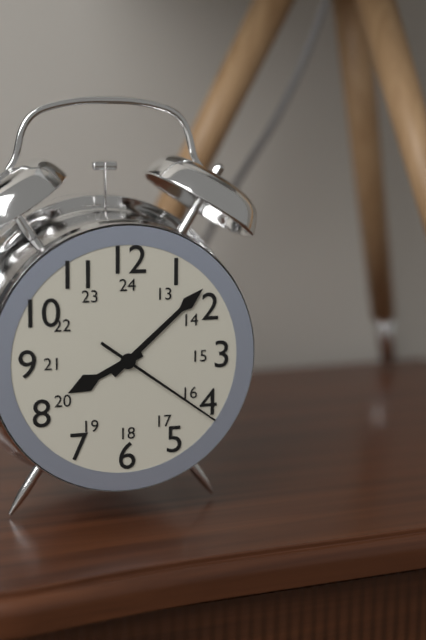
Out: **8:08:21**
